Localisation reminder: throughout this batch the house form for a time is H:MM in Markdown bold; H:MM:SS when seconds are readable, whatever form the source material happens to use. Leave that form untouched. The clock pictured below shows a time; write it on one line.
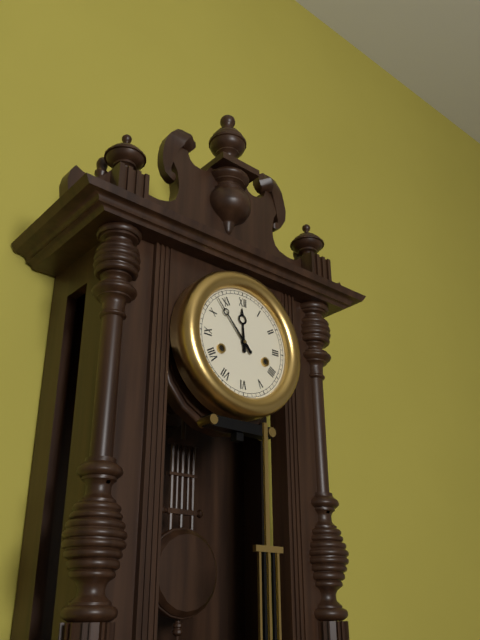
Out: **11:53**
